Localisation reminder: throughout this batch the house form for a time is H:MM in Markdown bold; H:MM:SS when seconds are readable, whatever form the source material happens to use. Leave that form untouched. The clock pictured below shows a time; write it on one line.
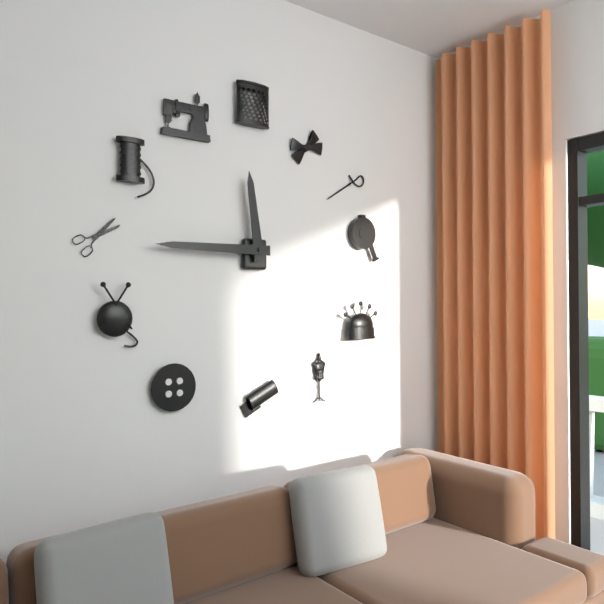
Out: **11:45**
